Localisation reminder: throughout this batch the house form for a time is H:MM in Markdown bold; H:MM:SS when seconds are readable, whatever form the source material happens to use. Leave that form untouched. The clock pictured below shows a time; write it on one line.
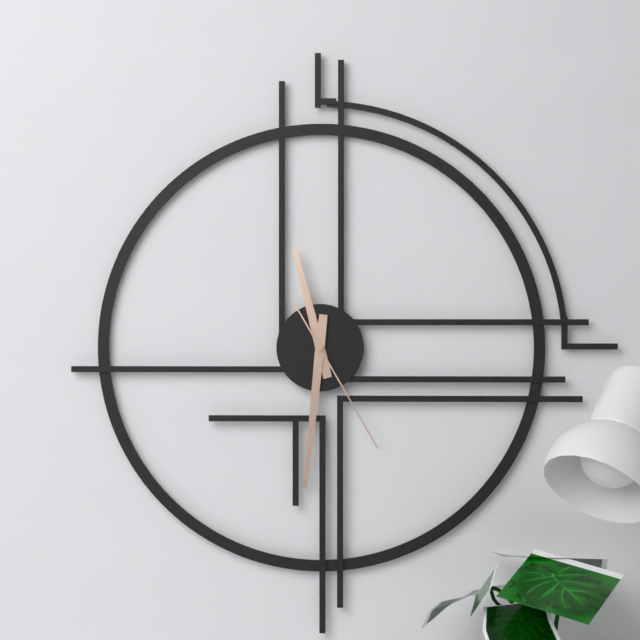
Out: **11:31:25**
